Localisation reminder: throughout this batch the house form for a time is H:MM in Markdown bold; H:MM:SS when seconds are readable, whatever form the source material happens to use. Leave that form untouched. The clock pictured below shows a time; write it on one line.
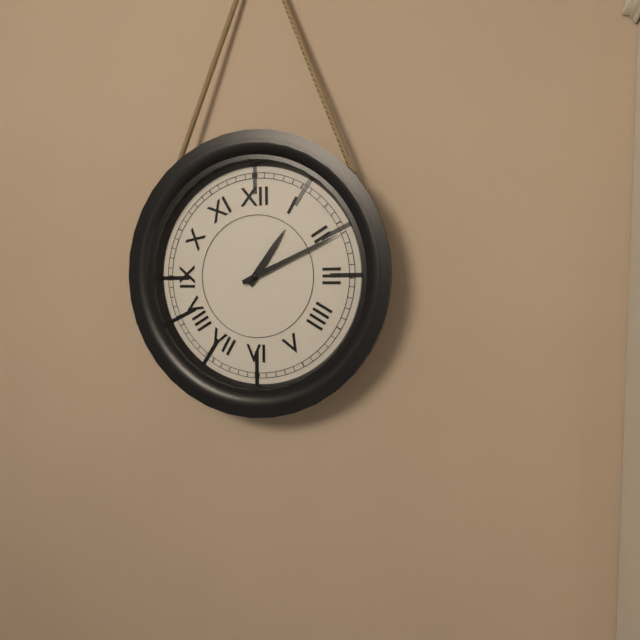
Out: **1:11**
